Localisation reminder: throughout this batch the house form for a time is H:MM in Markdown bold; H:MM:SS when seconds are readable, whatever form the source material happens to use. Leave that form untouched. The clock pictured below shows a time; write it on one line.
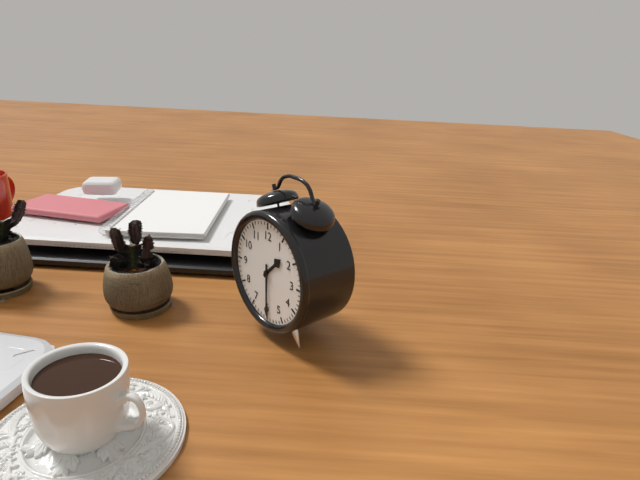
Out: **1:30**
